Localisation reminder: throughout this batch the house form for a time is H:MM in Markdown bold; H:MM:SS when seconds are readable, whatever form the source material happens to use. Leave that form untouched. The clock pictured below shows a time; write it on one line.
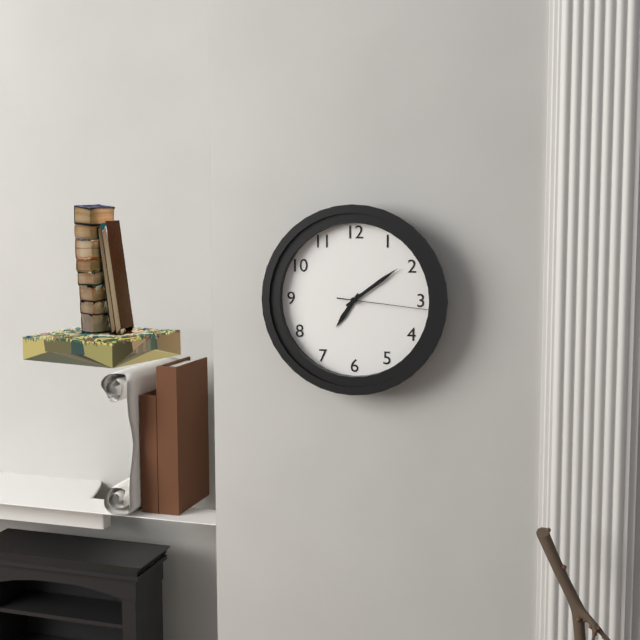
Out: **7:09:16**
